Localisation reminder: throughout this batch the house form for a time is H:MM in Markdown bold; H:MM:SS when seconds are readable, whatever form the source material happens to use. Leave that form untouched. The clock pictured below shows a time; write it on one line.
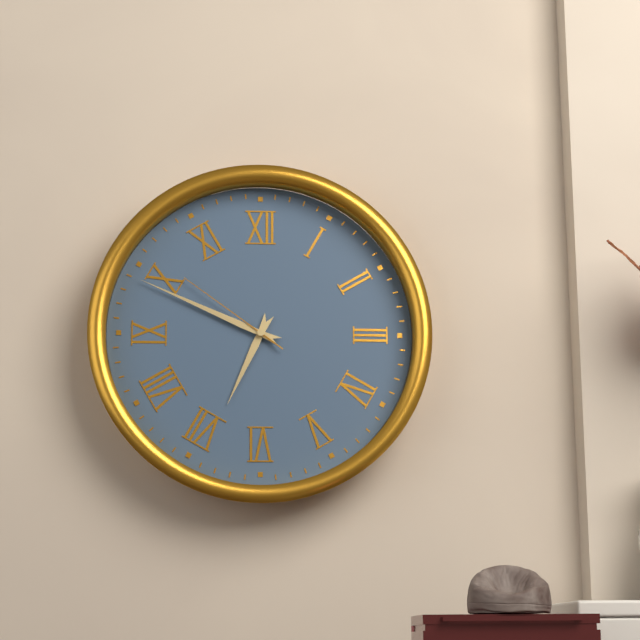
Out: **6:49:51**
